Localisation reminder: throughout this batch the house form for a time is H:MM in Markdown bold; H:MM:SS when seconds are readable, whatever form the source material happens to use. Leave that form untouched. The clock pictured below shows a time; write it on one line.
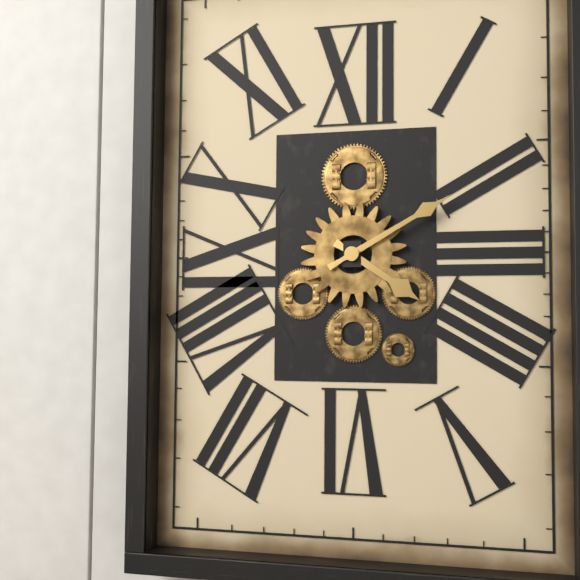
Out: **4:10**
